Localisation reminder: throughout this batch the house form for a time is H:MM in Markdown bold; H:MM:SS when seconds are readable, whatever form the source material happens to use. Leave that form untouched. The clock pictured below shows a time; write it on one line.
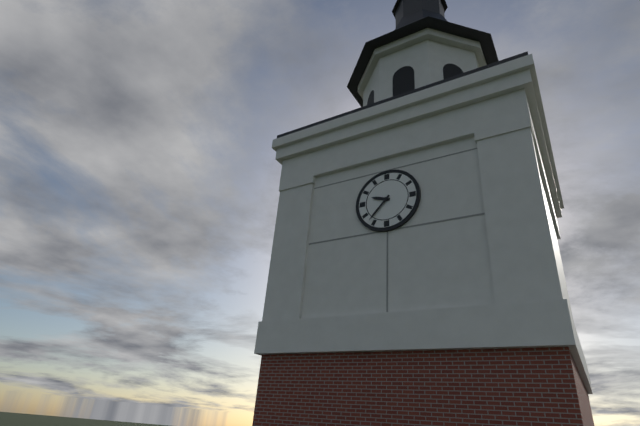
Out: **9:37**
